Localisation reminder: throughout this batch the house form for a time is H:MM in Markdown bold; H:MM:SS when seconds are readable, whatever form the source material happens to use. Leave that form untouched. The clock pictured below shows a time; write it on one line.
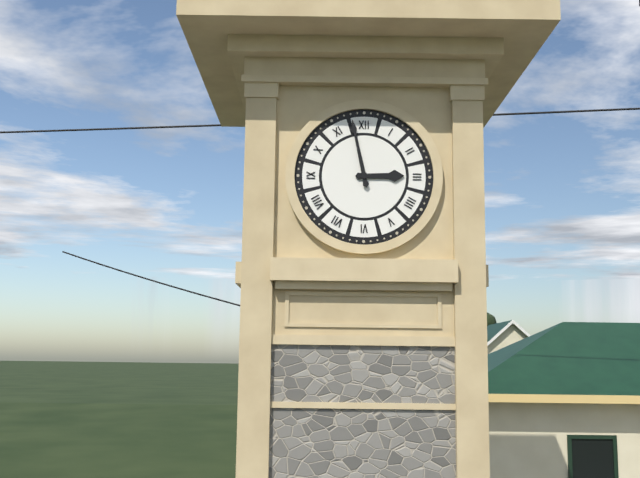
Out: **2:58**
